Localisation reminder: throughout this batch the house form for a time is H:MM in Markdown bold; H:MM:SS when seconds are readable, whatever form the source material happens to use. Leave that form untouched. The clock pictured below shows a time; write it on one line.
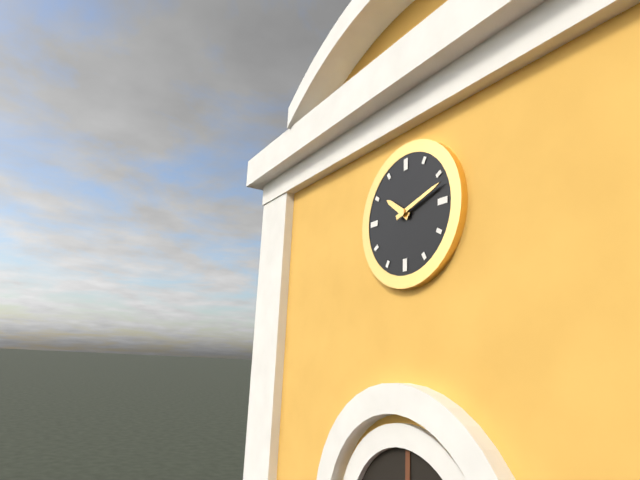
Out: **10:12**
